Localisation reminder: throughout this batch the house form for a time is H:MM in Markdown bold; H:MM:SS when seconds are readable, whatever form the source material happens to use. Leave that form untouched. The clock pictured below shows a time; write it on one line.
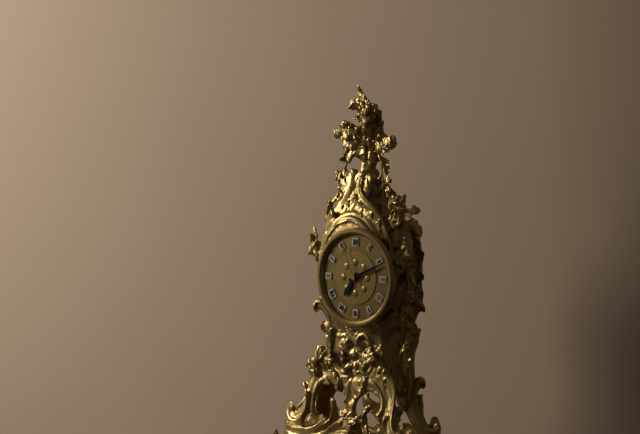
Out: **7:11**
